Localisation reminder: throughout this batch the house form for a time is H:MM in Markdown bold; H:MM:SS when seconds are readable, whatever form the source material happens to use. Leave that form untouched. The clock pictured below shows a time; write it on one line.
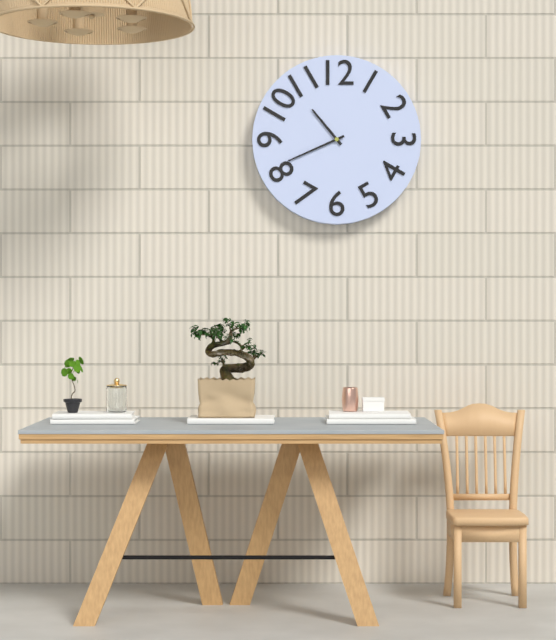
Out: **10:41**
